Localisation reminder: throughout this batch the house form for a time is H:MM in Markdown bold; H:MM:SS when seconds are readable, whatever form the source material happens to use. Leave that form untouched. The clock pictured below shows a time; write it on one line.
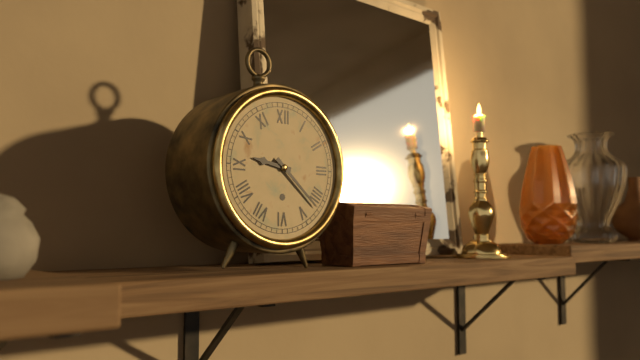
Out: **9:22**
